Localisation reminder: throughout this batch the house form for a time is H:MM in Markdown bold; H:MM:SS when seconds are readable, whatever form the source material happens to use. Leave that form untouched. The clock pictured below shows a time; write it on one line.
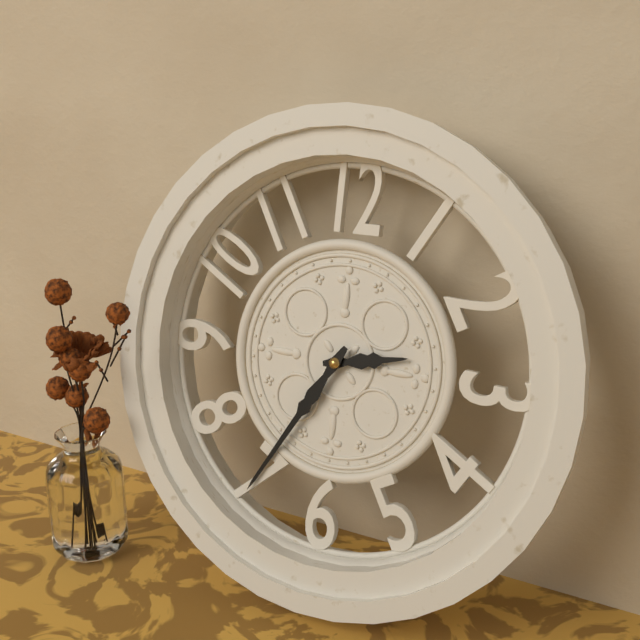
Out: **2:35**
